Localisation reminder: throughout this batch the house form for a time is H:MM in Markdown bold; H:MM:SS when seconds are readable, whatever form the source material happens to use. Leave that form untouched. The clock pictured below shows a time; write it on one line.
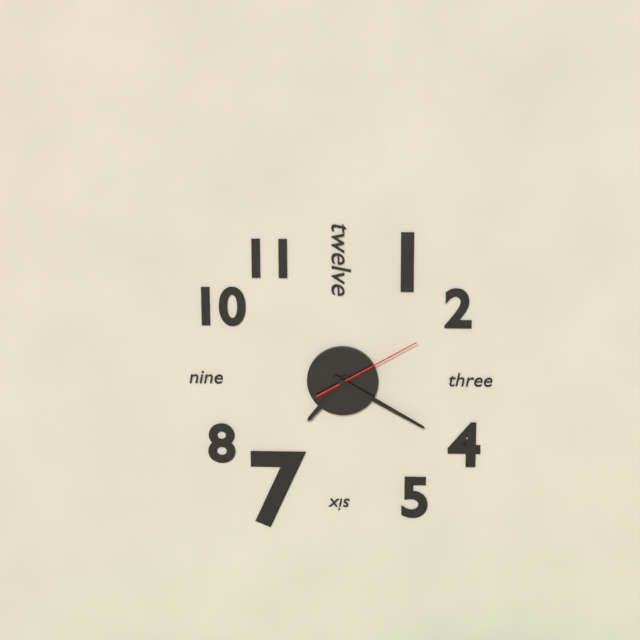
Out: **7:20:10**
